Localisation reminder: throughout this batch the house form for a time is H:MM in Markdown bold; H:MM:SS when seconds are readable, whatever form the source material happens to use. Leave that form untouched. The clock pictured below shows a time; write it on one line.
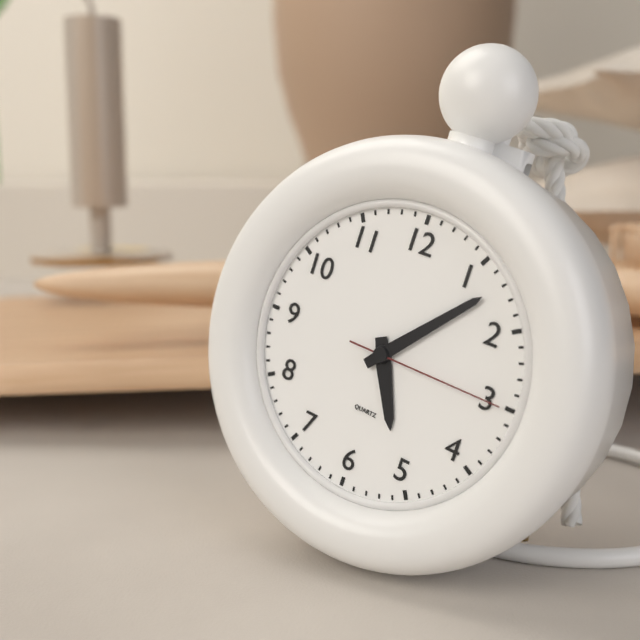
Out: **5:07:15**
